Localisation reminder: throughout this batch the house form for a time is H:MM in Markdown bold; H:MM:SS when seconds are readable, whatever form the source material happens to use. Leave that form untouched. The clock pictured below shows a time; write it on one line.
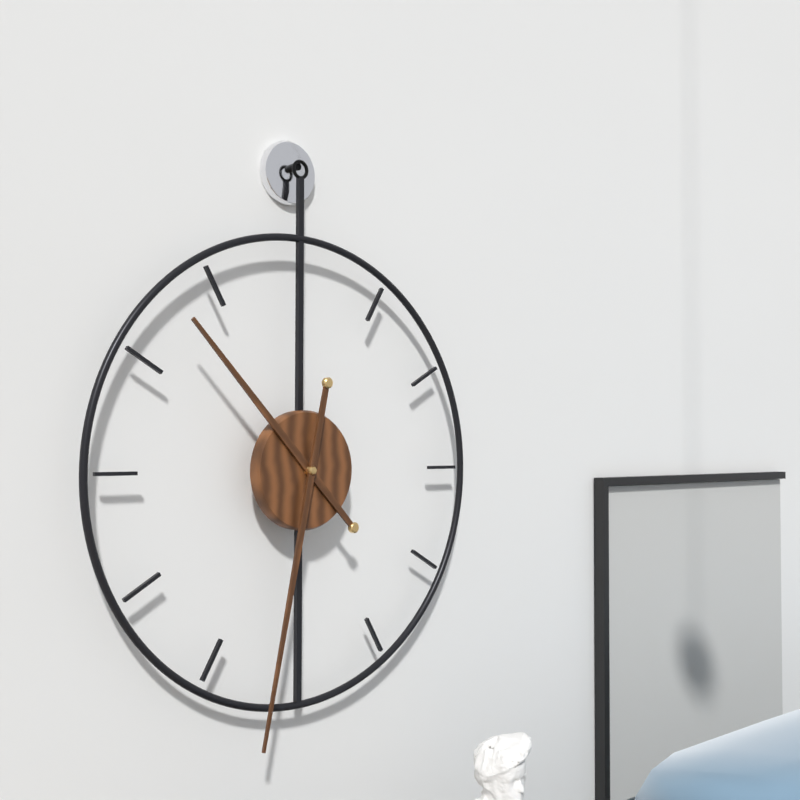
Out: **10:32**
